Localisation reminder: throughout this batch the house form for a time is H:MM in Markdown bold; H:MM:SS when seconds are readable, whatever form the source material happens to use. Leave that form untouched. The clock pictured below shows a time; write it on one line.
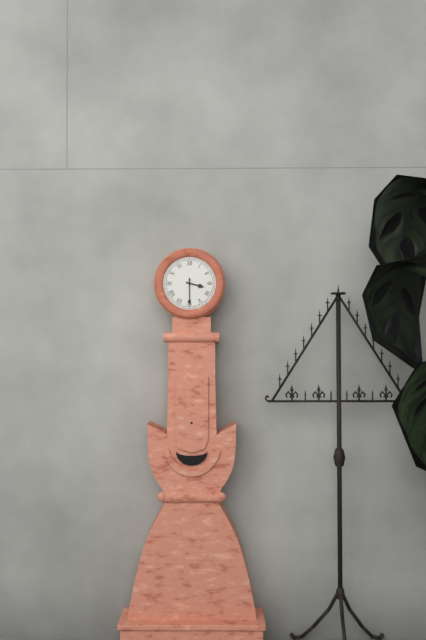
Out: **3:30**
